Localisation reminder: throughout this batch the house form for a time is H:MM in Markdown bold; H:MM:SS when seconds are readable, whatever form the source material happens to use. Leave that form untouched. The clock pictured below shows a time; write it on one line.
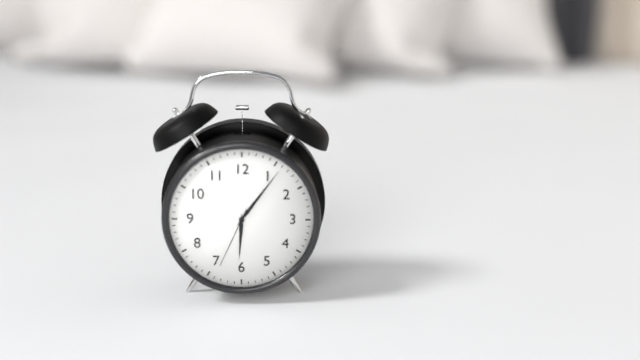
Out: **6:06:34**
